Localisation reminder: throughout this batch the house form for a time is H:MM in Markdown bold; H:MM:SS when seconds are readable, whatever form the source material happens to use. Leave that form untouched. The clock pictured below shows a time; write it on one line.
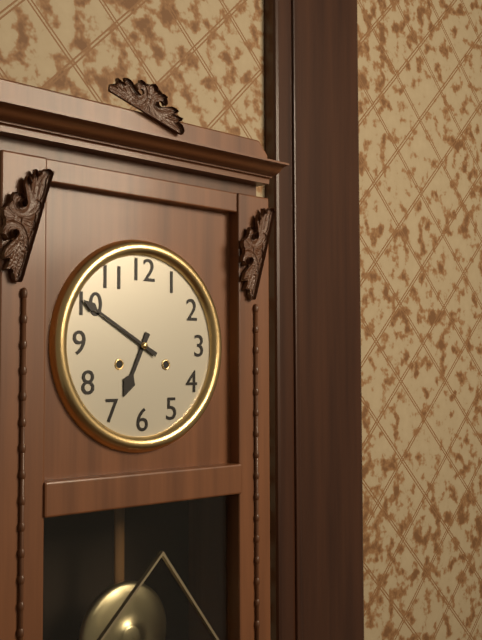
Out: **6:50**
